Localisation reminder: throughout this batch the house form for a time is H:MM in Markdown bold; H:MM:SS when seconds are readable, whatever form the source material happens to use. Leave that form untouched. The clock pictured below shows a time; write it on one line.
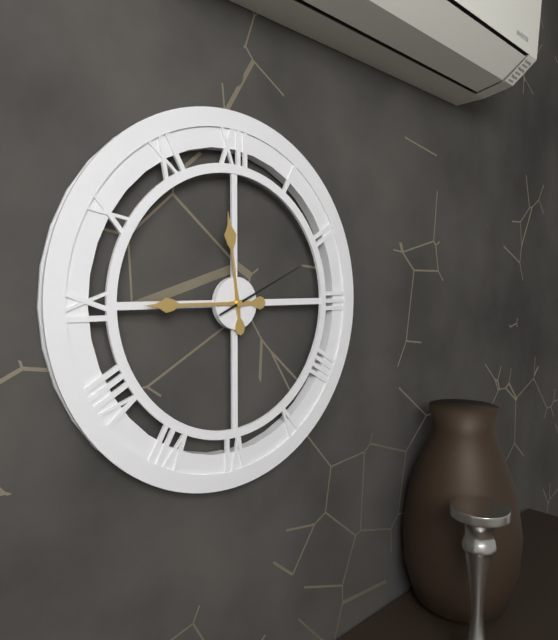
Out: **11:45:11**
